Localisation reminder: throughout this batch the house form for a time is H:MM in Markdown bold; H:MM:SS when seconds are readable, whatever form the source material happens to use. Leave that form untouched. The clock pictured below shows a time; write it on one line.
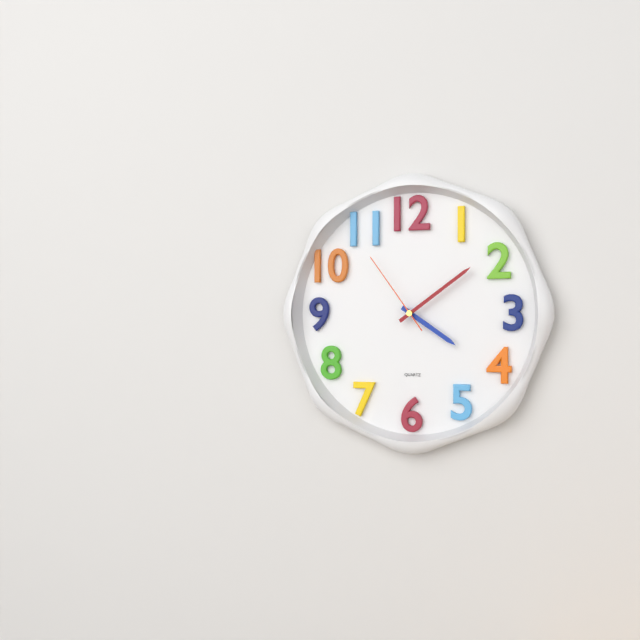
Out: **4:09:54**
